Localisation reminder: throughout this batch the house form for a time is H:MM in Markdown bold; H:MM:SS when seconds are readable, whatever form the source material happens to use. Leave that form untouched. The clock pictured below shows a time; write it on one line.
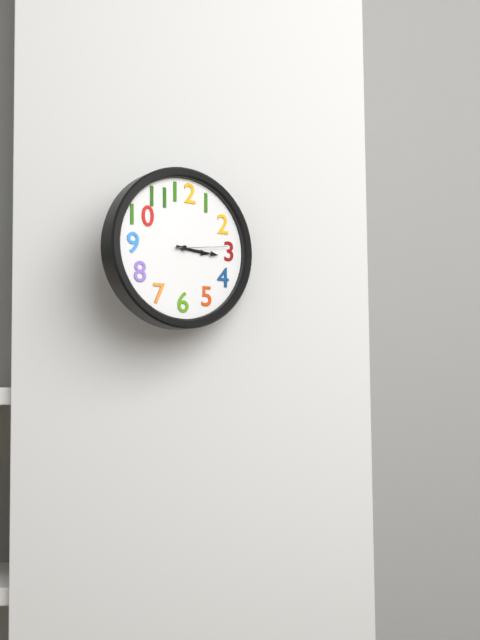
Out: **3:16:14**
